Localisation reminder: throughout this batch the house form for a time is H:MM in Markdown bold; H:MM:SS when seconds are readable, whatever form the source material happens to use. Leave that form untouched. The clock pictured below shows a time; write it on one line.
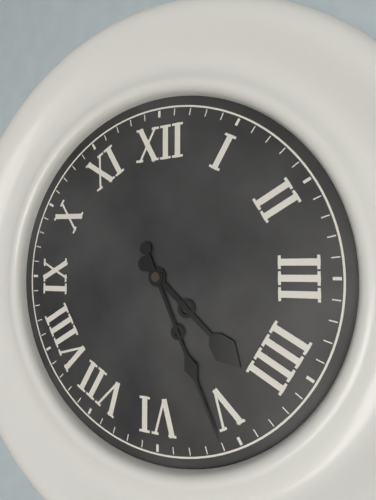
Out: **4:26**
